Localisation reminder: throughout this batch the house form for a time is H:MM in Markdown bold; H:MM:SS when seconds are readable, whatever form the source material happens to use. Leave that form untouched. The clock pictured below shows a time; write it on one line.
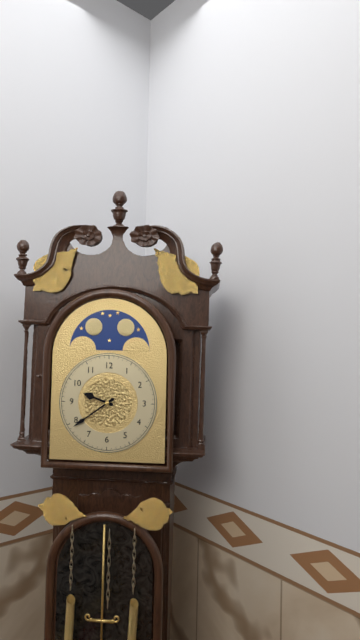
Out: **9:39**
